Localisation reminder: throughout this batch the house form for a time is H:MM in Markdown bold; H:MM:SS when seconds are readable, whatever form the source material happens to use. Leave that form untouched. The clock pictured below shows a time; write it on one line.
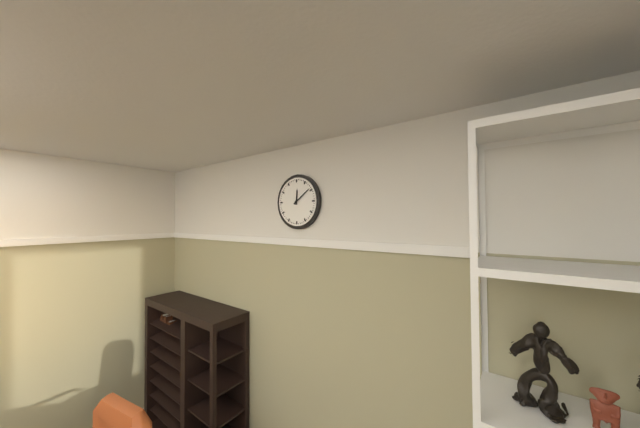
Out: **12:09**
